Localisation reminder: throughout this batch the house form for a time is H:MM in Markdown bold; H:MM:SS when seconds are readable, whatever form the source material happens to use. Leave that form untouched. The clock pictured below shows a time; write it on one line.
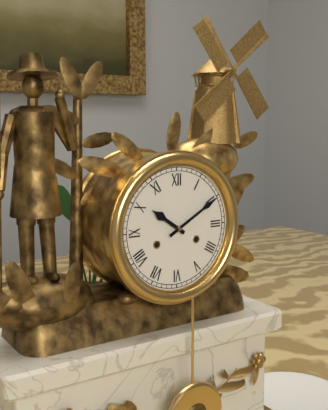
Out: **10:10**
